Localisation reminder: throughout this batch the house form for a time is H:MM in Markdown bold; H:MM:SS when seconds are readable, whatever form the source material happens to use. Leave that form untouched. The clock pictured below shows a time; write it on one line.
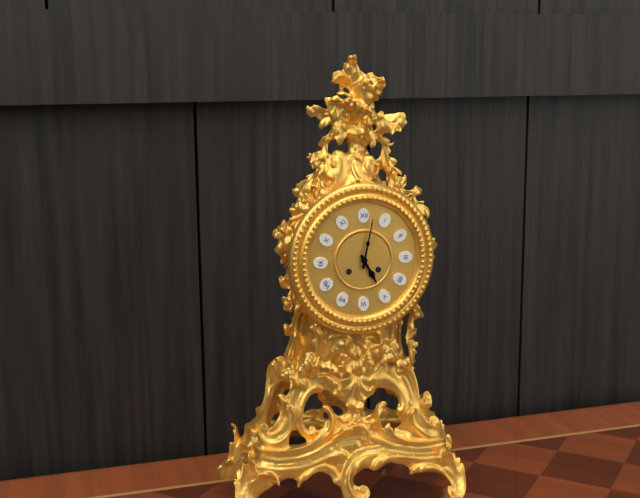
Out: **5:02**
